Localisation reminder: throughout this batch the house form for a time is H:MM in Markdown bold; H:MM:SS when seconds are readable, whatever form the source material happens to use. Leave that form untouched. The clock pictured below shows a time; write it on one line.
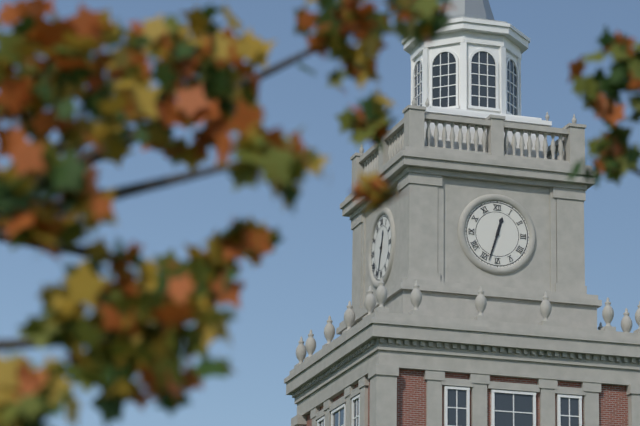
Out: **12:33**
